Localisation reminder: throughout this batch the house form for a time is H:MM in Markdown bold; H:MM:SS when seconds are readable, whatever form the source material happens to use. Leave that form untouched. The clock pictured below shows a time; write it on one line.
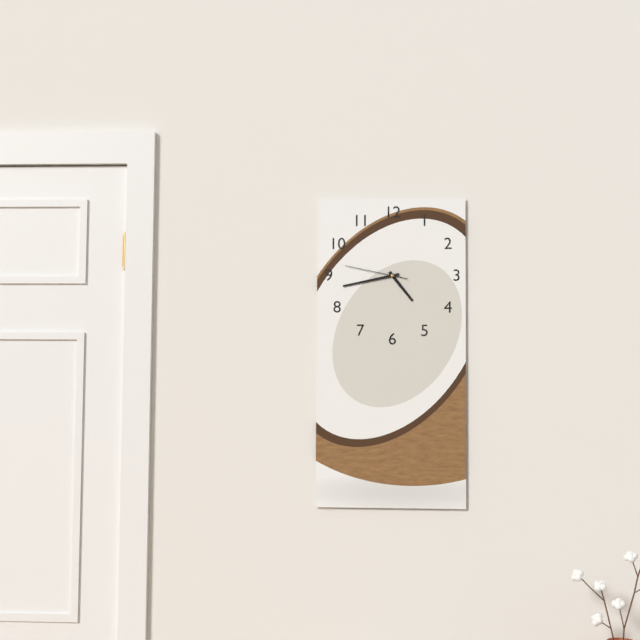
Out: **4:43:47**
